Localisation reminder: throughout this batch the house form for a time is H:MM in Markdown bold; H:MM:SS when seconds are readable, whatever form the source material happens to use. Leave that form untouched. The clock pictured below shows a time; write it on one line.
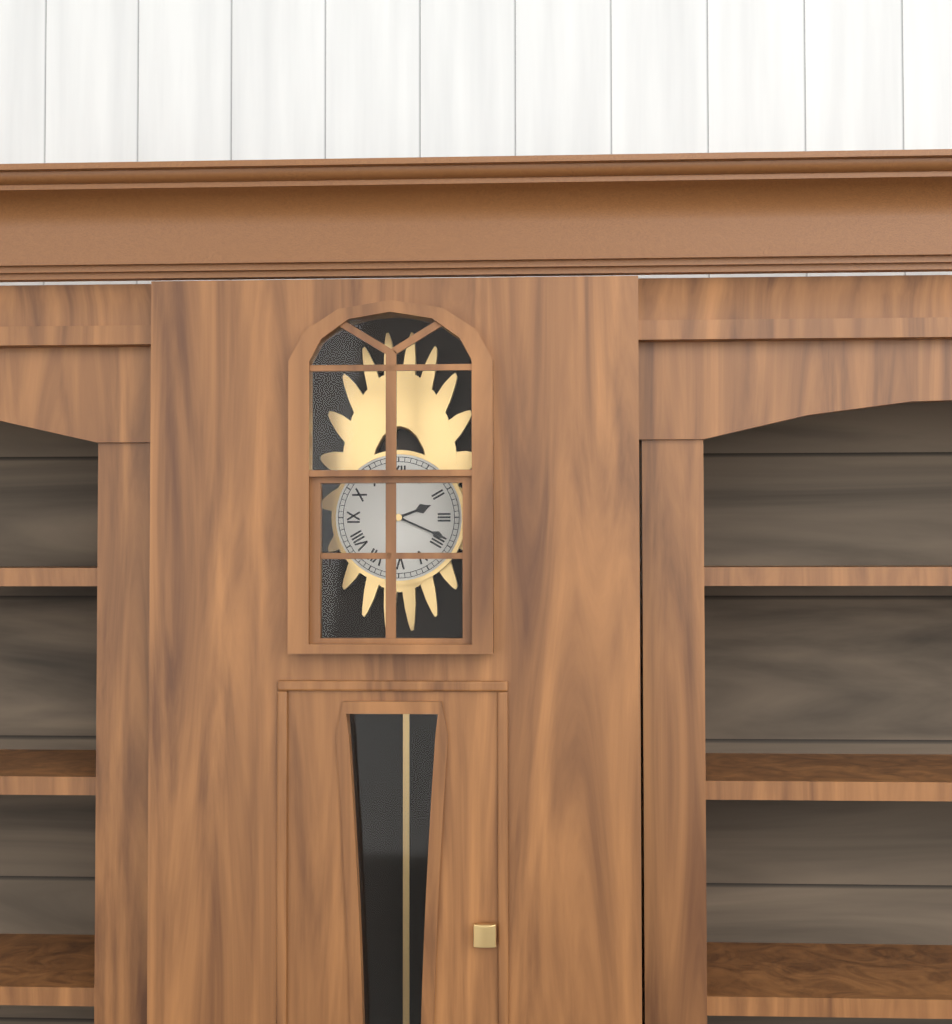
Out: **2:19**
